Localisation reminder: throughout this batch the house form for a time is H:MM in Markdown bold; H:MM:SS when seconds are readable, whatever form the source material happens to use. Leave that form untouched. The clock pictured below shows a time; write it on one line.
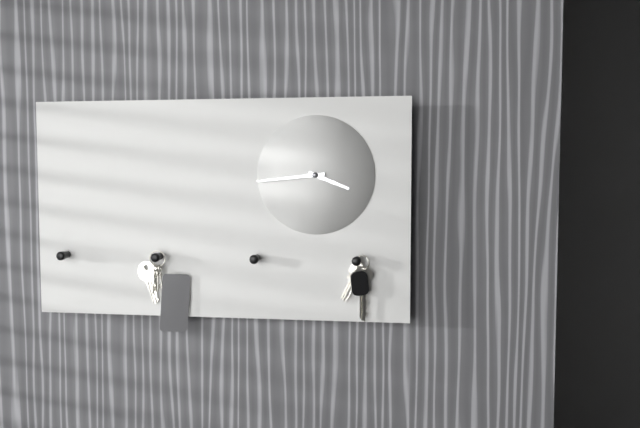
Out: **3:44**
